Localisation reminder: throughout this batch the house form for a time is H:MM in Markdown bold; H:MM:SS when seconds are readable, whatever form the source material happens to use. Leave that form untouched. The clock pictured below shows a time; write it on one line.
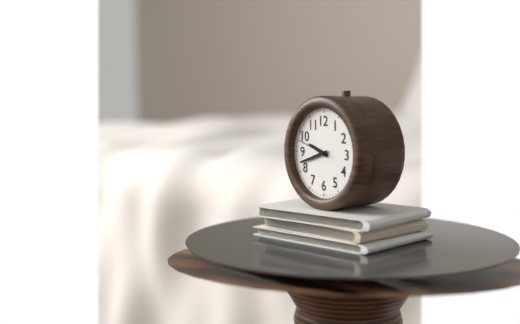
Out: **9:42**
